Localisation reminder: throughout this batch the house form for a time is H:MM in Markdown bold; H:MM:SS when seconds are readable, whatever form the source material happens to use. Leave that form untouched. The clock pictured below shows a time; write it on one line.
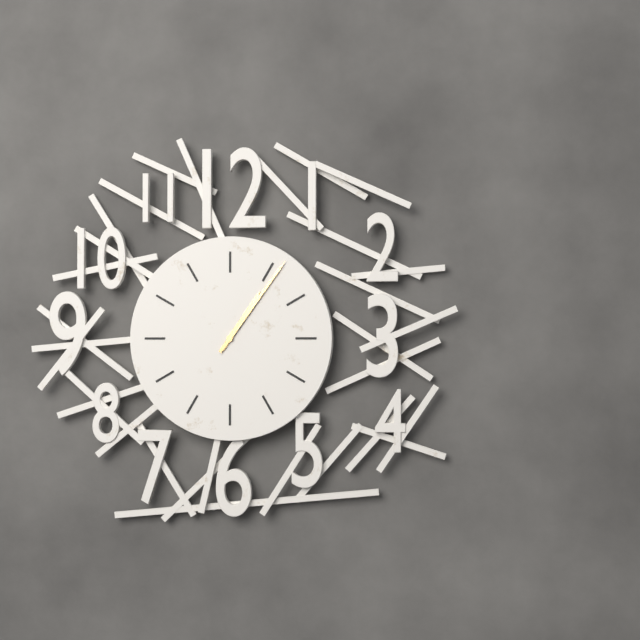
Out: **1:06**
